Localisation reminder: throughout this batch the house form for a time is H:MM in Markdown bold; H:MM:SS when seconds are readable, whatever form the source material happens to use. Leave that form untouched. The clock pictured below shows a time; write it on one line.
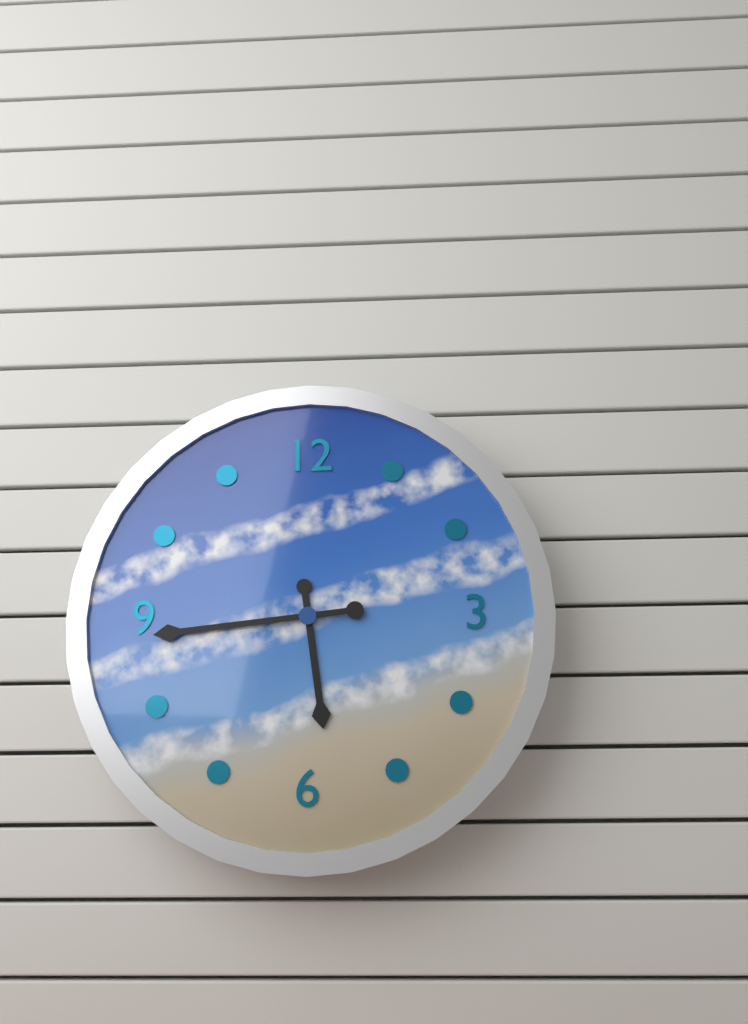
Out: **5:44**
